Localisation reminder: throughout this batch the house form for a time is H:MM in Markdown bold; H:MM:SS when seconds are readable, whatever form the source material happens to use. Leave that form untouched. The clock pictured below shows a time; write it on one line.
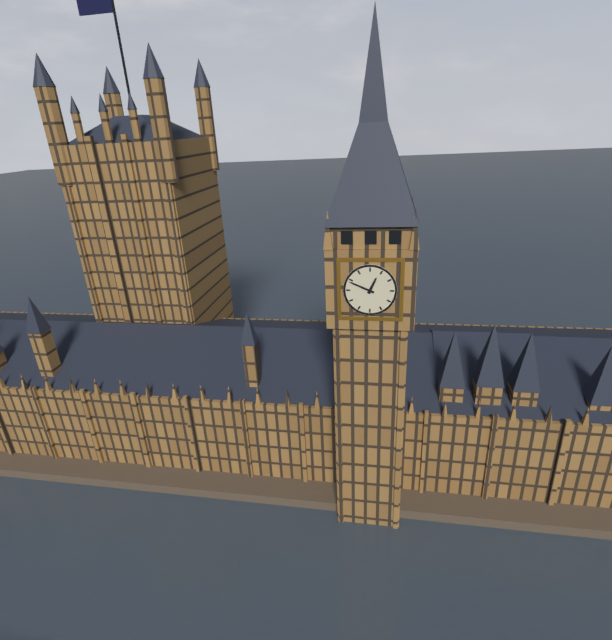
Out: **12:49**
